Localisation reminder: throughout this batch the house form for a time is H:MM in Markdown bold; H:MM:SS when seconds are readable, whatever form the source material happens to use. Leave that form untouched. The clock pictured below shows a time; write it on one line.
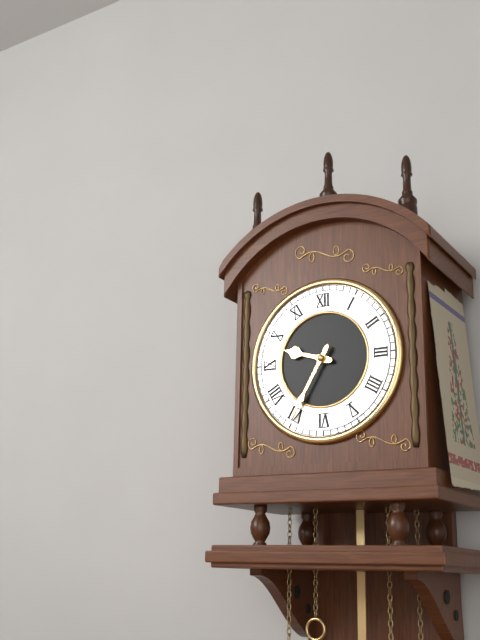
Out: **9:35**
